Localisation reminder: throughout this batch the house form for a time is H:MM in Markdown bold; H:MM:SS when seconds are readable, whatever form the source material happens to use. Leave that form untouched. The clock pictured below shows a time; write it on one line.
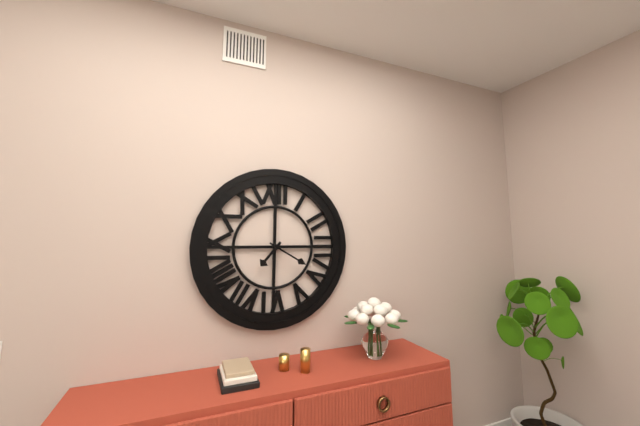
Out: **7:20**
